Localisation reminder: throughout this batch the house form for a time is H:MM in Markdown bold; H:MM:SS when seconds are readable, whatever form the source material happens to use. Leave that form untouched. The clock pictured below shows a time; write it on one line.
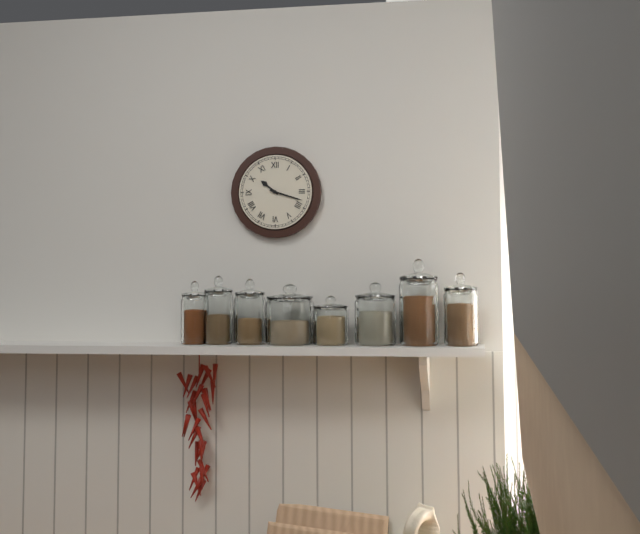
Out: **10:18**
